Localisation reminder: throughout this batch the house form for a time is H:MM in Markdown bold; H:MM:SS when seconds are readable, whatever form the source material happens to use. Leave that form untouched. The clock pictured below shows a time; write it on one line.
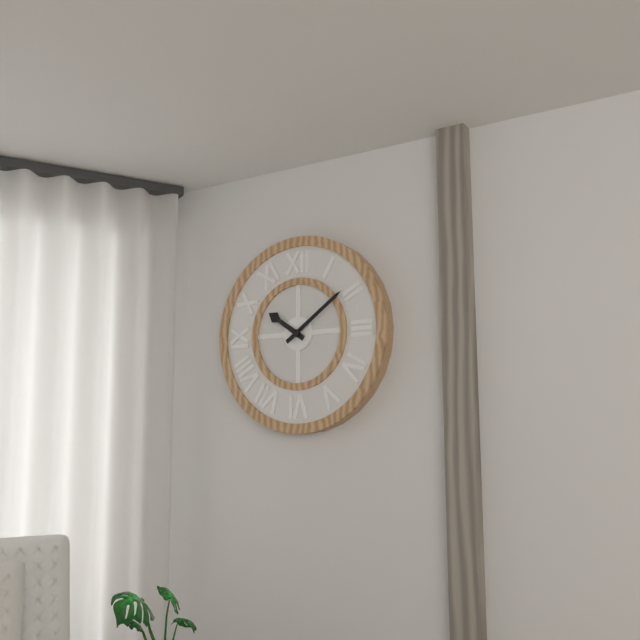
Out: **10:09**
